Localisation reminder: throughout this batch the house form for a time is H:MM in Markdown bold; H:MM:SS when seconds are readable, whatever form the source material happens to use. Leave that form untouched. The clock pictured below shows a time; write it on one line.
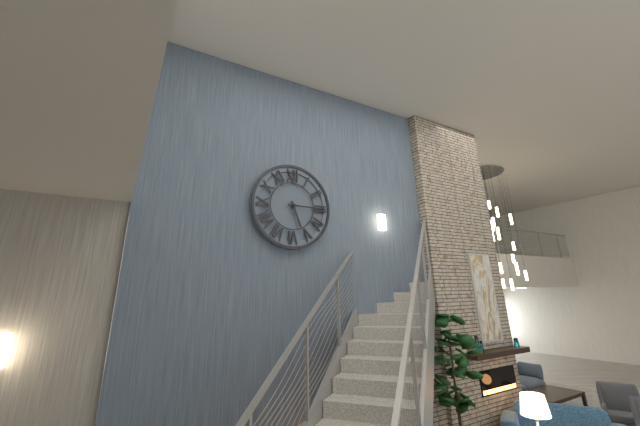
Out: **5:15**
